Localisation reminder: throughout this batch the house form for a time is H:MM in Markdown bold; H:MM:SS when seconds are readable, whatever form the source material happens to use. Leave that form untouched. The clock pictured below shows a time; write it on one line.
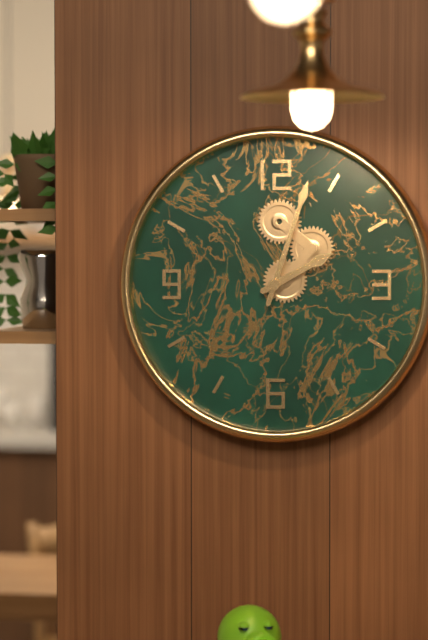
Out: **2:03**
